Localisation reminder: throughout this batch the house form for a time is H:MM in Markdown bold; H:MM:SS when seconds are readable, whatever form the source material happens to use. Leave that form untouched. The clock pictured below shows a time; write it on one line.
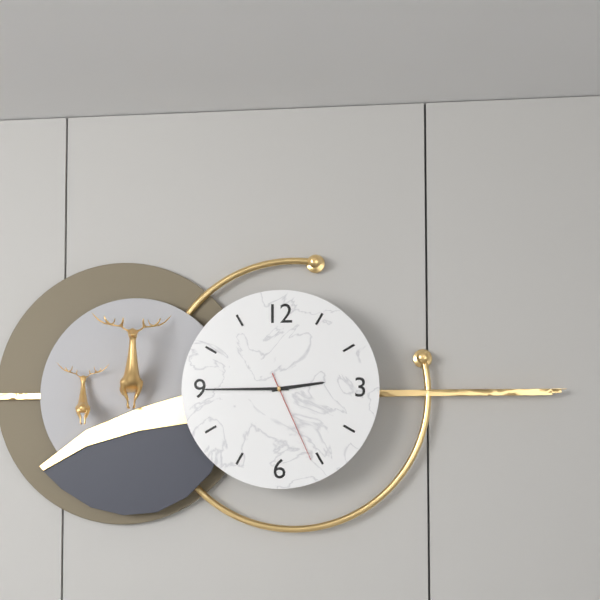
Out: **2:45:26**
